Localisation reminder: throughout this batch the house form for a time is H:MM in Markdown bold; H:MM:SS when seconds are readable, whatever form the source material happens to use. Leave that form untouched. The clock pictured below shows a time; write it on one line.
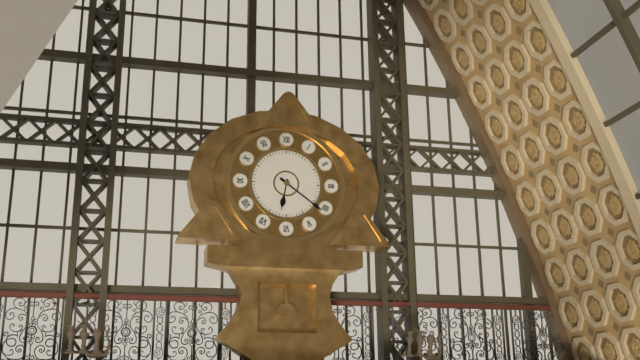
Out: **6:21**
